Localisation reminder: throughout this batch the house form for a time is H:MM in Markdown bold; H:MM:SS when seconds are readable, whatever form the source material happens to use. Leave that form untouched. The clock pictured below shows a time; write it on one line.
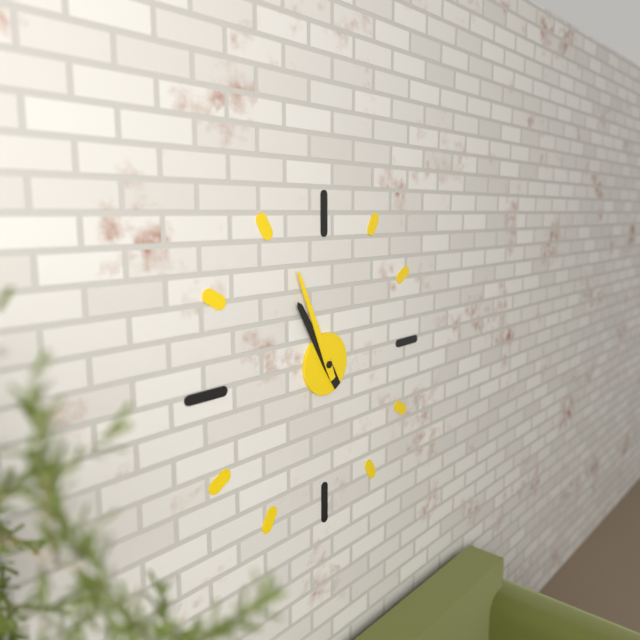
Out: **10:56**
